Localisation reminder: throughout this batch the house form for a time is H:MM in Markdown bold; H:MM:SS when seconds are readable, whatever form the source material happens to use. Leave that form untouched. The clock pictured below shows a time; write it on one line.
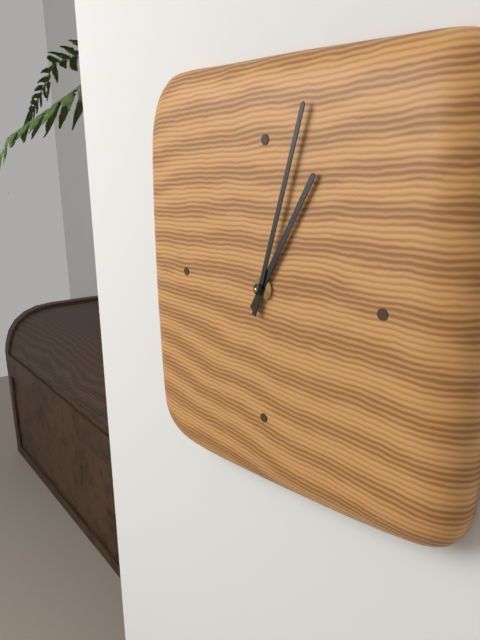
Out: **1:03**
